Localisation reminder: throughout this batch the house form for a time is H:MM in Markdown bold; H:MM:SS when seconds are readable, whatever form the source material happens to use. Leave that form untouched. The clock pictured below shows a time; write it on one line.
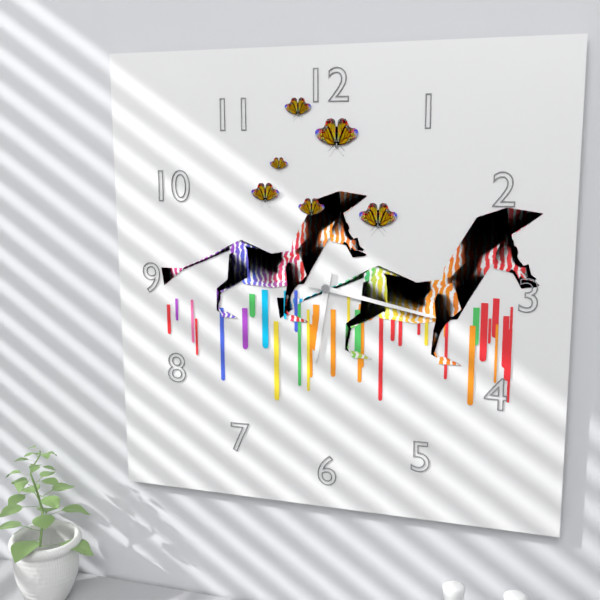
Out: **6:17**
